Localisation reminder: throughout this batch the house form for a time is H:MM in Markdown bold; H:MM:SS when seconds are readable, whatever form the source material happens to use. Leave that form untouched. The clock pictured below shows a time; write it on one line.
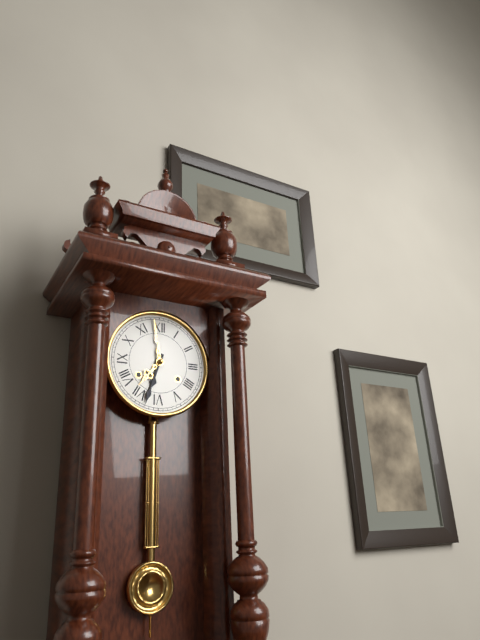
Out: **6:33**
